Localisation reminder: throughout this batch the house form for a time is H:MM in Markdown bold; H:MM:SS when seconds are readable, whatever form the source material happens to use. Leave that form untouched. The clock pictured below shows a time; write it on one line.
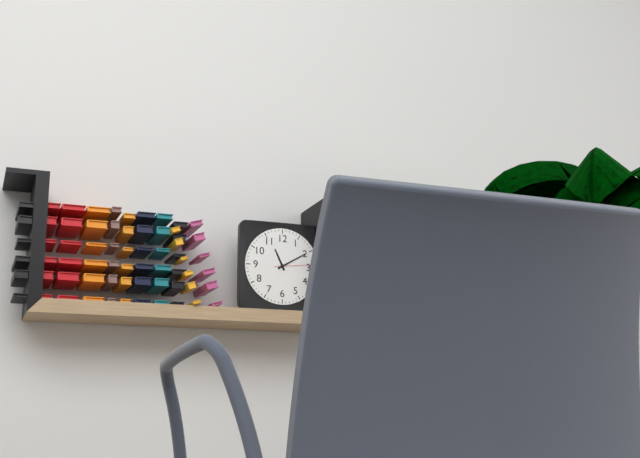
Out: **11:10**
